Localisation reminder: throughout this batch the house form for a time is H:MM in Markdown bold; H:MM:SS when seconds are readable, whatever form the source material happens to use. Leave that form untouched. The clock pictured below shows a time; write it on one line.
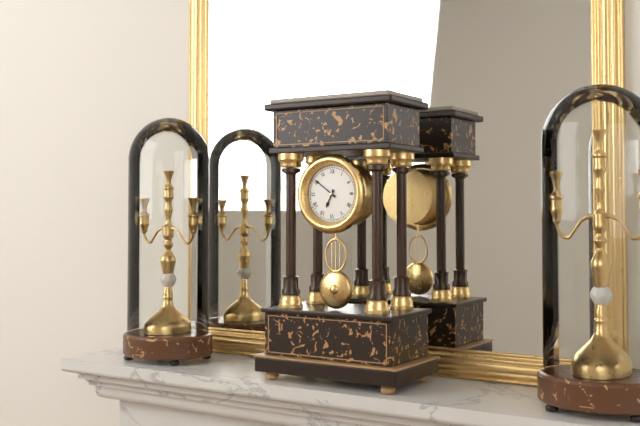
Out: **6:51**
